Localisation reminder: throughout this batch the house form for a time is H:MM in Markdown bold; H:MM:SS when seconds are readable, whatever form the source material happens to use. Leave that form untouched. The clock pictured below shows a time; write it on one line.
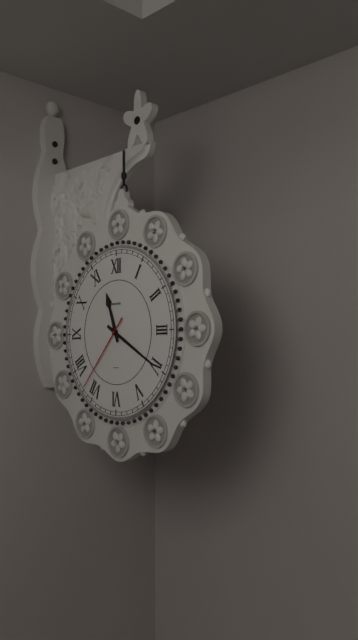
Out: **11:20:37**
